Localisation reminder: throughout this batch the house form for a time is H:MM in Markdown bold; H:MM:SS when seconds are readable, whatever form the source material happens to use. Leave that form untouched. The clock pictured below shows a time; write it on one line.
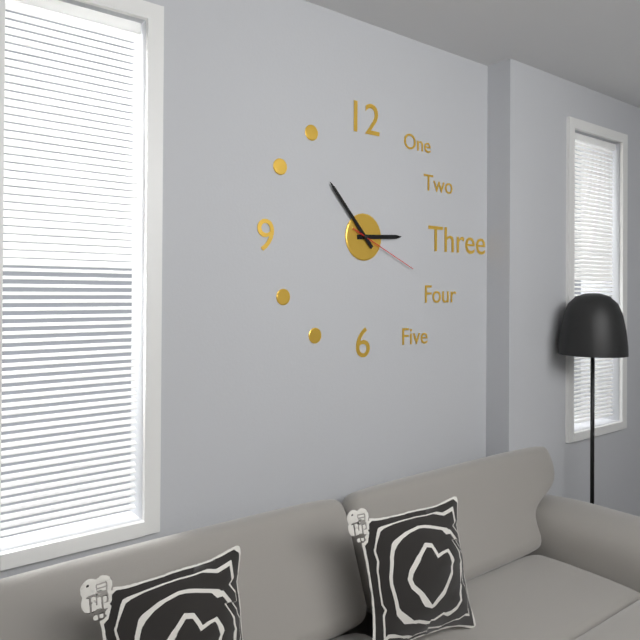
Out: **2:53:19**
